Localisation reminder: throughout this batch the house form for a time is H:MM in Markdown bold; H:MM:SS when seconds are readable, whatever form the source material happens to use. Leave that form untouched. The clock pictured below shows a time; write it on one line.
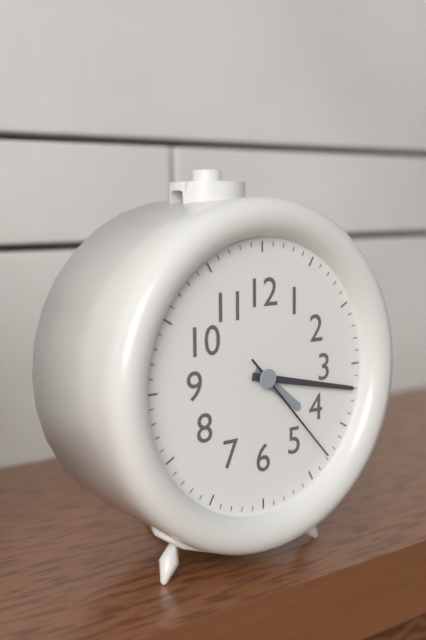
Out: **4:17:23**
